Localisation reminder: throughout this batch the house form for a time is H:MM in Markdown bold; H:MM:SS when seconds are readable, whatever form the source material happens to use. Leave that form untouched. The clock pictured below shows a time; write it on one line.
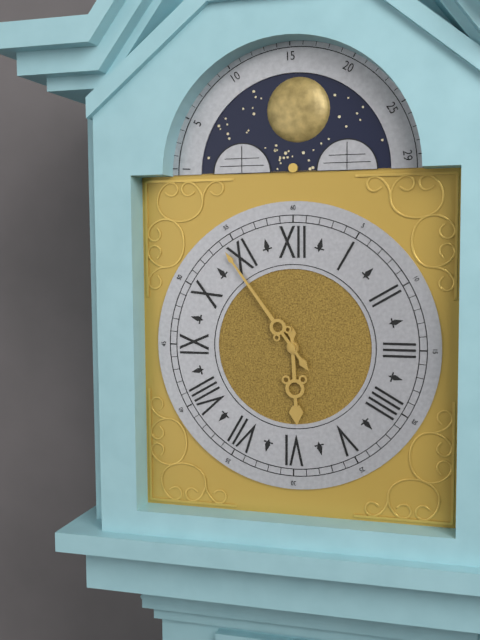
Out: **5:54**
